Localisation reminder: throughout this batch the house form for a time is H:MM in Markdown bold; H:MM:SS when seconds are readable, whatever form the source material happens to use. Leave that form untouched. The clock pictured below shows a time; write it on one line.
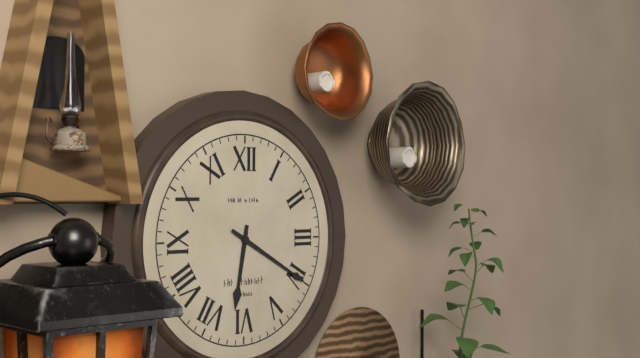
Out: **6:20**
